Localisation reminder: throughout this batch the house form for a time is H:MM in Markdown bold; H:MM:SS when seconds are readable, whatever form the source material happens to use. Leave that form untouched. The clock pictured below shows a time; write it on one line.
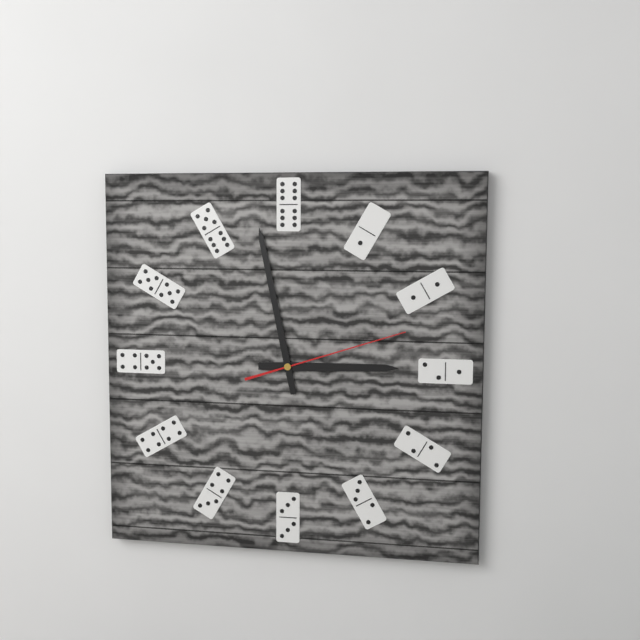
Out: **2:58:12**
